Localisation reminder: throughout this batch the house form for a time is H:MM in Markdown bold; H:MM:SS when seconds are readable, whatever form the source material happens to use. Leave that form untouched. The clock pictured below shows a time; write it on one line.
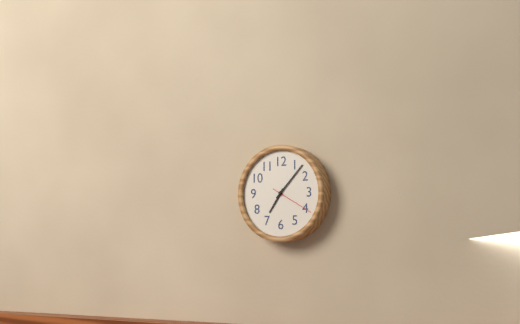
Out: **7:07**
